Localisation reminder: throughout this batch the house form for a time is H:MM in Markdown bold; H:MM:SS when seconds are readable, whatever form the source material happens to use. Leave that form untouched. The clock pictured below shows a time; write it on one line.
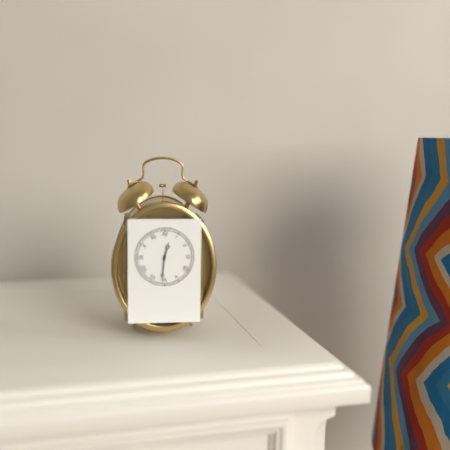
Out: **12:31**
